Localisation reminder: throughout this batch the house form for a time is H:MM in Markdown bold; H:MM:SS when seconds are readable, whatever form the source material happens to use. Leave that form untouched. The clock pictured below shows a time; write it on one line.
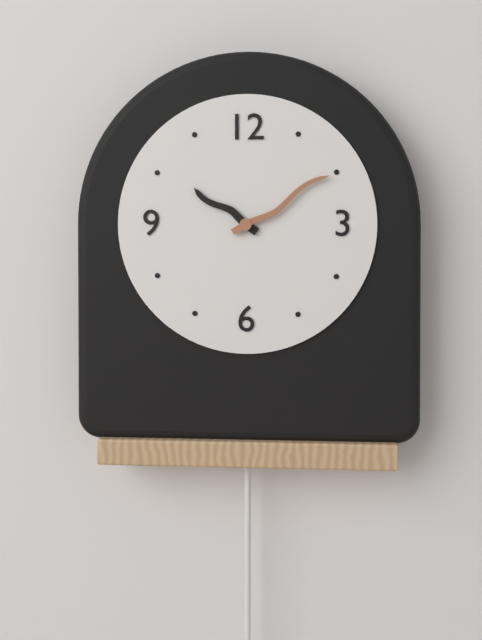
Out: **10:10**
